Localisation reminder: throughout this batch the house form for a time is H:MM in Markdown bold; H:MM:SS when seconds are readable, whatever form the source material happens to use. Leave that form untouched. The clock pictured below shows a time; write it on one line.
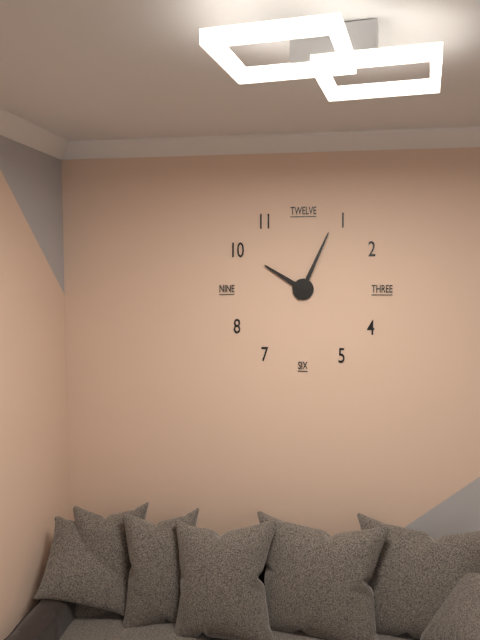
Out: **10:04**
